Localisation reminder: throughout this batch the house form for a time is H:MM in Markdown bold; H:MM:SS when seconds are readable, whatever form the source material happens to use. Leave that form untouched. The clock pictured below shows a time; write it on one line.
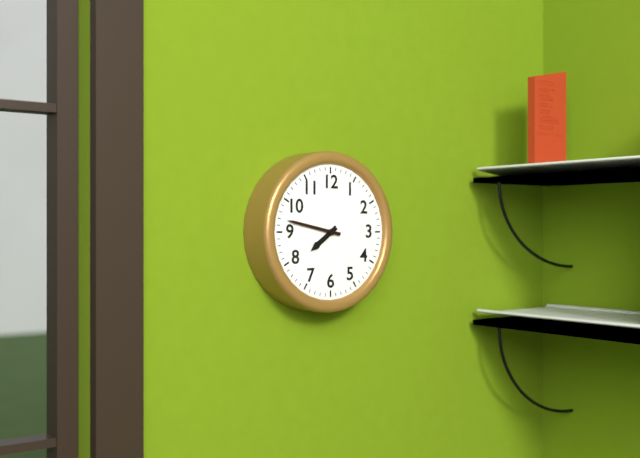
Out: **7:47**
